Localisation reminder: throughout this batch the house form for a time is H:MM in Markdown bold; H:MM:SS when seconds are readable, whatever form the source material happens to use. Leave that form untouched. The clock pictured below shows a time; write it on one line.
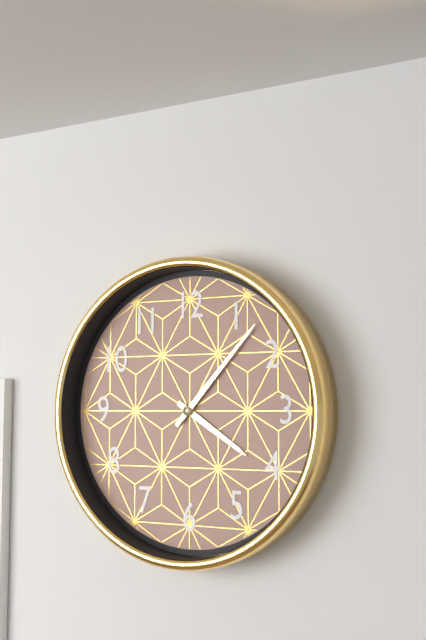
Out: **4:07**
